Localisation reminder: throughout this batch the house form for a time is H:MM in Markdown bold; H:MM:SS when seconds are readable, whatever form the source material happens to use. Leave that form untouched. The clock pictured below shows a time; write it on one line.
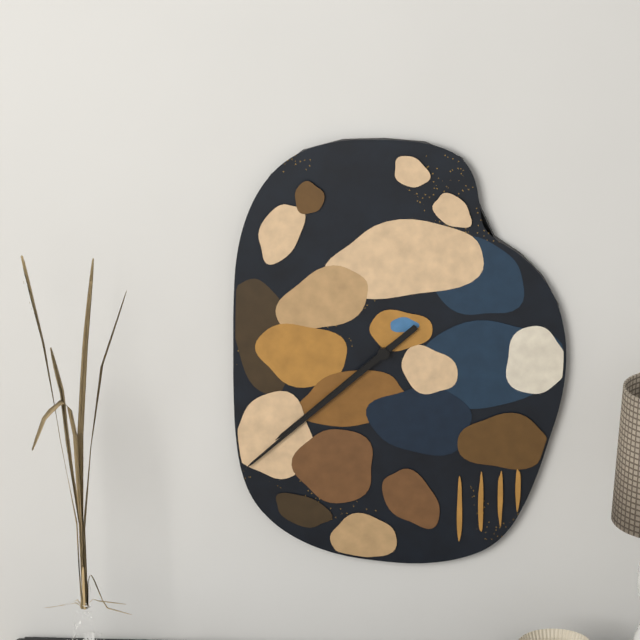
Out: **7:38**
